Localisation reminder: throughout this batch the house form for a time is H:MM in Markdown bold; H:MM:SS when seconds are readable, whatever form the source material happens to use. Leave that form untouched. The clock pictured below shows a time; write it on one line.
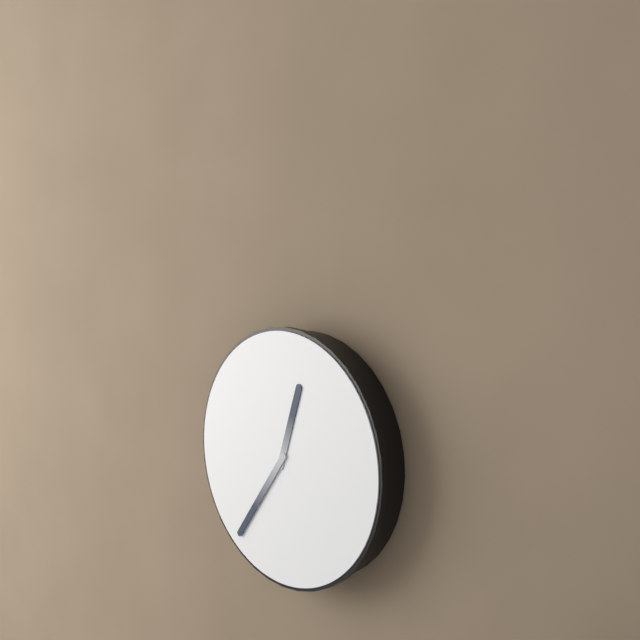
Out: **12:36**
